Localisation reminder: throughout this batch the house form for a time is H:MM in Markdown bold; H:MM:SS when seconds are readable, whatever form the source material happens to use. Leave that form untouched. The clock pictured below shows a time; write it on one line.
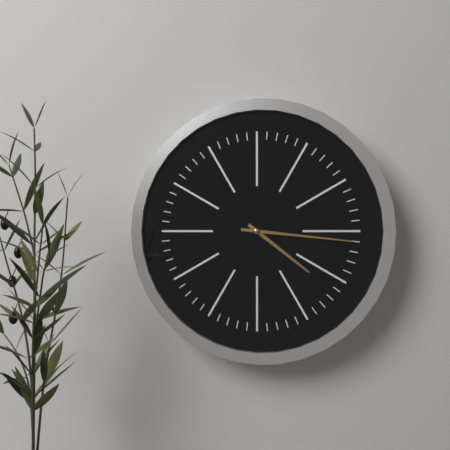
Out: **4:16**
